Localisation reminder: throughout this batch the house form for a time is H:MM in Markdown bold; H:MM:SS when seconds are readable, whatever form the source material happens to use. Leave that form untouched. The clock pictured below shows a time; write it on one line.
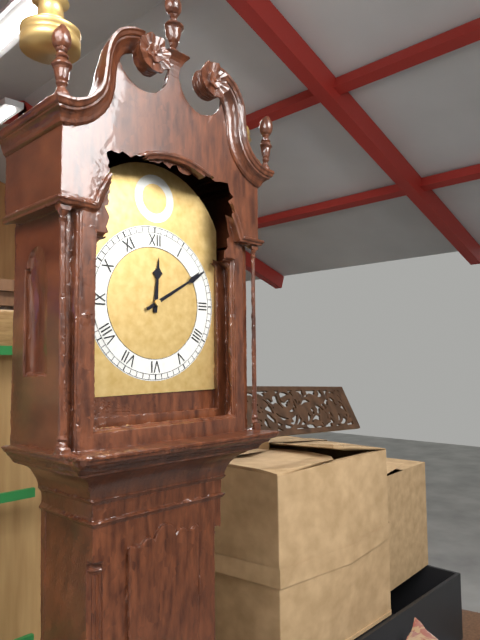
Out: **12:10**
